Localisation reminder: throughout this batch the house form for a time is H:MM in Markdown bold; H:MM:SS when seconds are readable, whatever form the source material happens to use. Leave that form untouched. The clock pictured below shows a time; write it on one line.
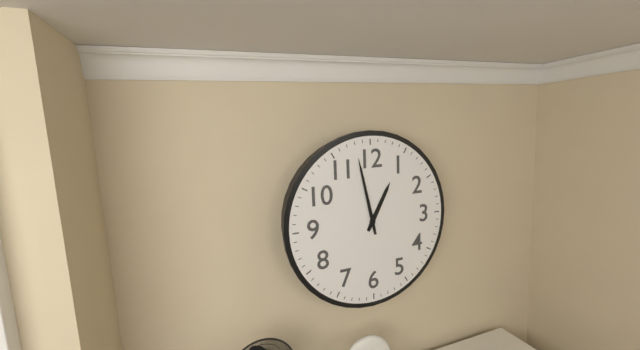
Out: **12:58**
